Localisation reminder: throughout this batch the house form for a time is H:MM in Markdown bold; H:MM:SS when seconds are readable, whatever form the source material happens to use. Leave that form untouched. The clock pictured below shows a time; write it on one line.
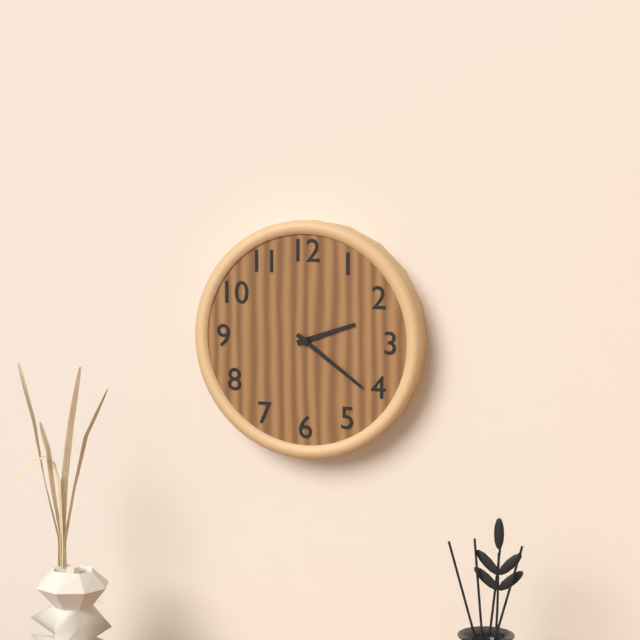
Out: **2:21**
